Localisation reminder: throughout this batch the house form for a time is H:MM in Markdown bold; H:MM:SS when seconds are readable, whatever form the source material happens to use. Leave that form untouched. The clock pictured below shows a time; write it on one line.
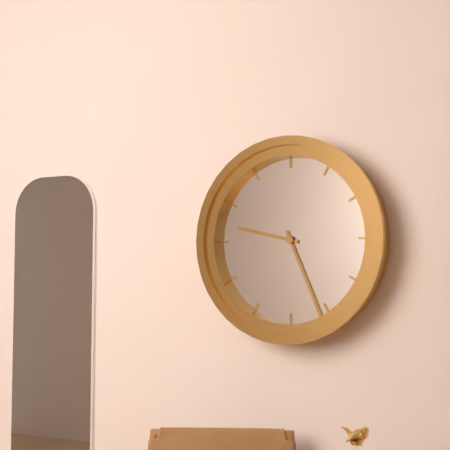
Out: **9:26**
